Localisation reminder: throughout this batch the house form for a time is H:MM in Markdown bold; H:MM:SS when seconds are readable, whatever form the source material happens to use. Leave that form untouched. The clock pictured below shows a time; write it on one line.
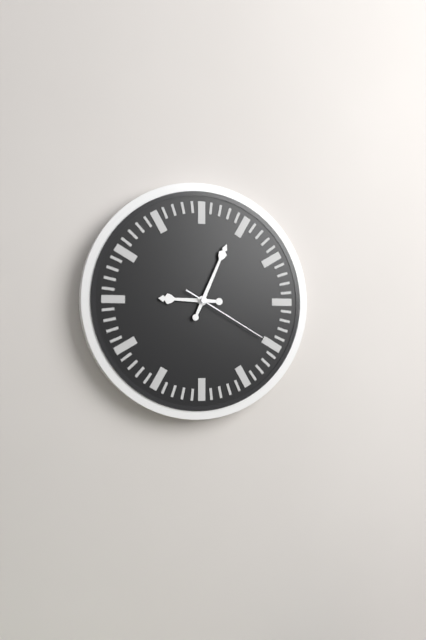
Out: **9:04:20**
